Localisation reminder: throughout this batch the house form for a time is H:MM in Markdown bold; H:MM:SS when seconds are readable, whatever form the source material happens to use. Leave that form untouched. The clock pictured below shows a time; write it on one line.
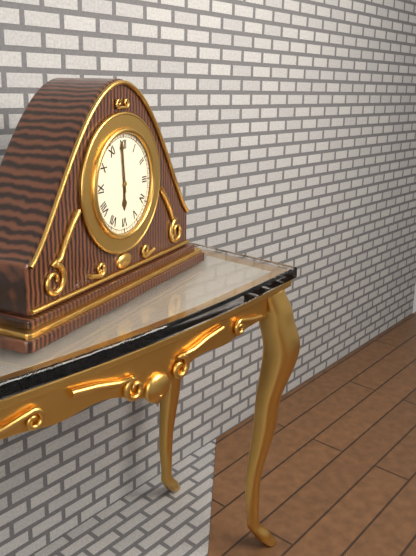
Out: **5:59**
